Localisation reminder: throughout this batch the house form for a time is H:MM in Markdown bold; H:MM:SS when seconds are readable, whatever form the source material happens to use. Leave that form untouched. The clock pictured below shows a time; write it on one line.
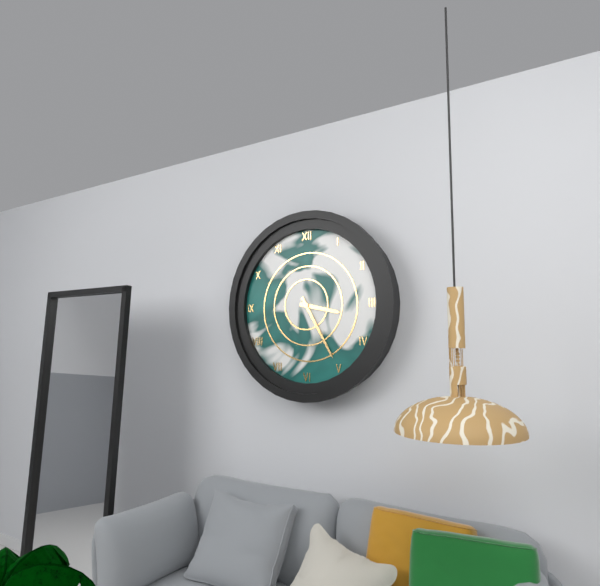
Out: **3:25**
